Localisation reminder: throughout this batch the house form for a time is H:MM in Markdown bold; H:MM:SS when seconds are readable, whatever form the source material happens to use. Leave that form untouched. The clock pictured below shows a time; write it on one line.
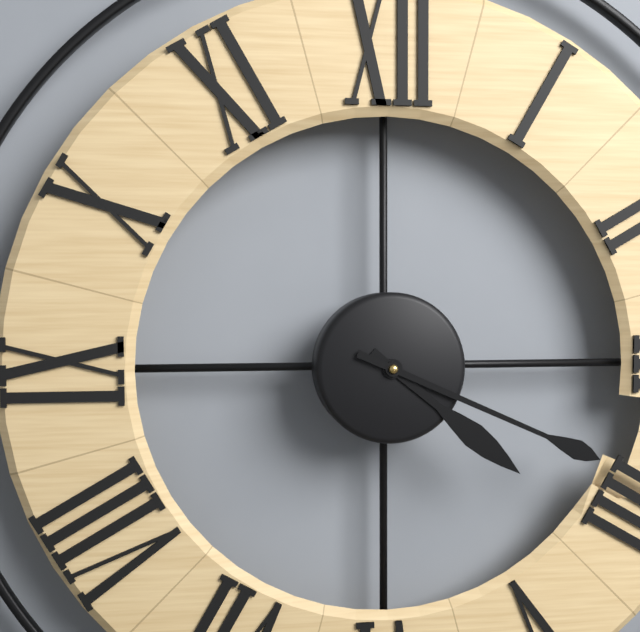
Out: **4:19**
